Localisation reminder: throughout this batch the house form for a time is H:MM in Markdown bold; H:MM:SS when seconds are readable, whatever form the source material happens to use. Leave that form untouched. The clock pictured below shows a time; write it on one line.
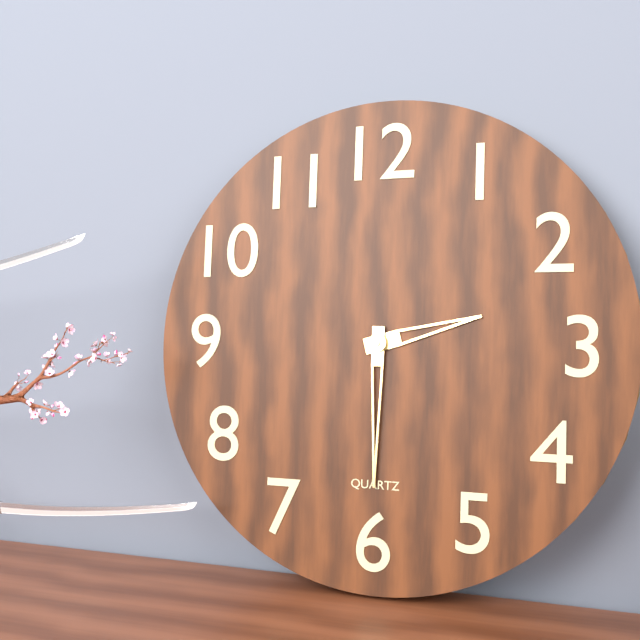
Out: **2:30**
